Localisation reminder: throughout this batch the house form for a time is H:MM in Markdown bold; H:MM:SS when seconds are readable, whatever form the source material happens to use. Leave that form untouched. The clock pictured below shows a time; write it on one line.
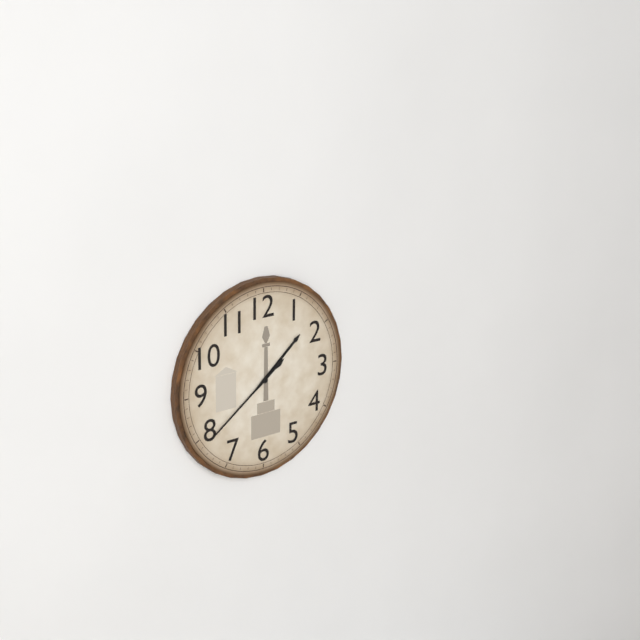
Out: **1:39**
